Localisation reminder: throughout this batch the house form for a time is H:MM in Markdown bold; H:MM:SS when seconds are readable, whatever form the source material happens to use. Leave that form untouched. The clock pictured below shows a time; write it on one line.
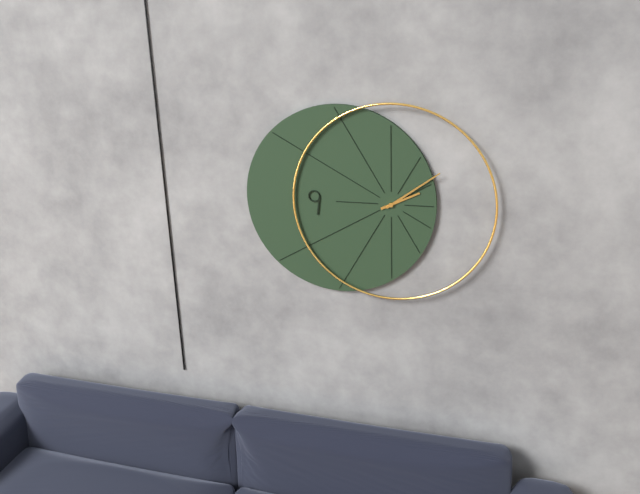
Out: **2:09**
